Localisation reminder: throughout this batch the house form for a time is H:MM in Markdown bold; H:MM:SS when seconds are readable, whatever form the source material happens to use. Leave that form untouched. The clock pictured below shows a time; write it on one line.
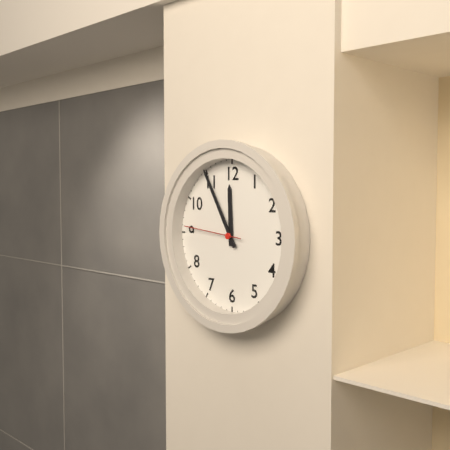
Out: **11:55:46**
